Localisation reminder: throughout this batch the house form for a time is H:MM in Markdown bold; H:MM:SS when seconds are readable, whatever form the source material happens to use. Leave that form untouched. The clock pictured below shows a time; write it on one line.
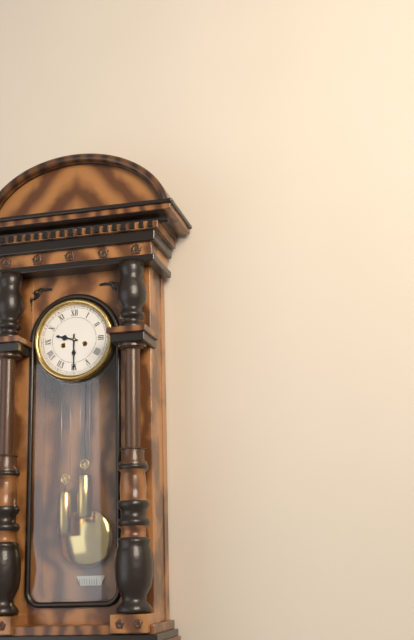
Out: **9:30**
